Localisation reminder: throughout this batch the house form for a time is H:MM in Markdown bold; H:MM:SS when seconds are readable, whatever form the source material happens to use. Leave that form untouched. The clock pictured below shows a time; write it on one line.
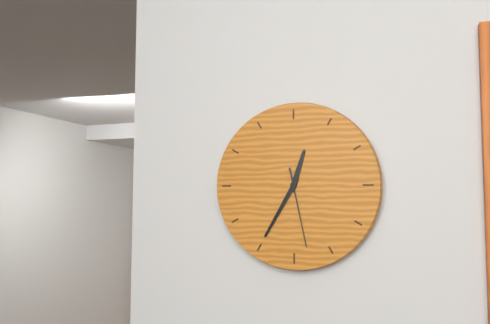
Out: **12:35:28**
